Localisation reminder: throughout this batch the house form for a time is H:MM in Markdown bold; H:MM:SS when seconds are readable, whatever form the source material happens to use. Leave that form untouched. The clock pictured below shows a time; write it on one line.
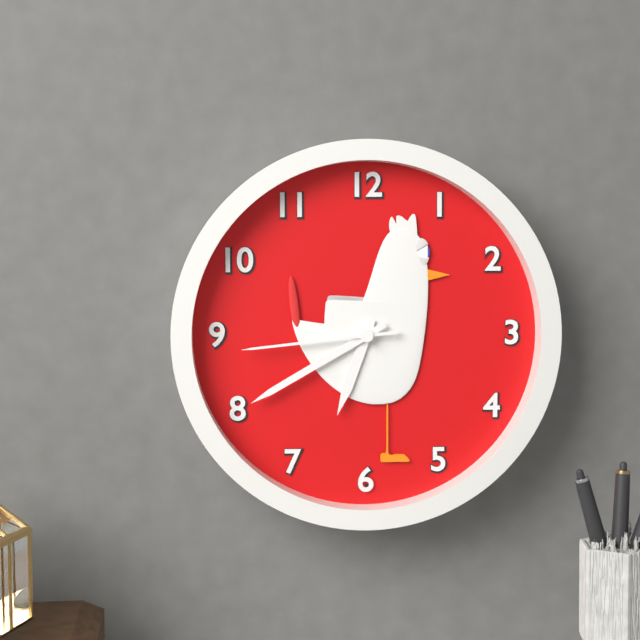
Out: **6:40:44**
